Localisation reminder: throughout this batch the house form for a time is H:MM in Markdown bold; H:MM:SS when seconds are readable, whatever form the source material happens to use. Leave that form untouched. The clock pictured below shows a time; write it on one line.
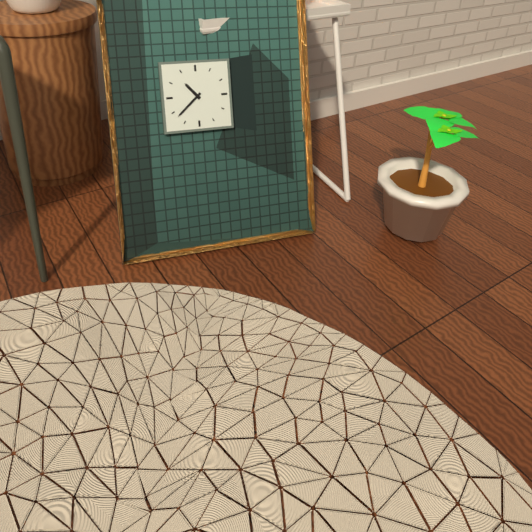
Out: **10:38**
